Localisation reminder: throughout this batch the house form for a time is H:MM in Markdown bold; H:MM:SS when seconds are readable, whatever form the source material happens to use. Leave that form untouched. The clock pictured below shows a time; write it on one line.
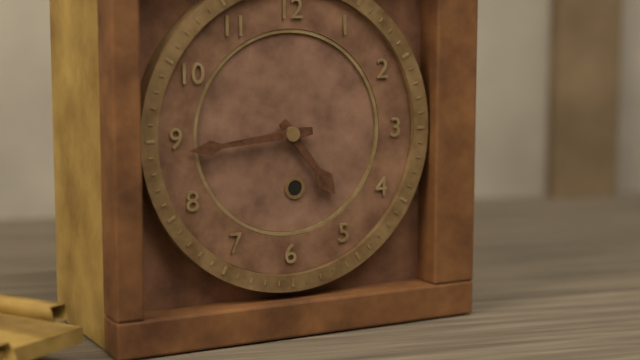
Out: **4:44**
